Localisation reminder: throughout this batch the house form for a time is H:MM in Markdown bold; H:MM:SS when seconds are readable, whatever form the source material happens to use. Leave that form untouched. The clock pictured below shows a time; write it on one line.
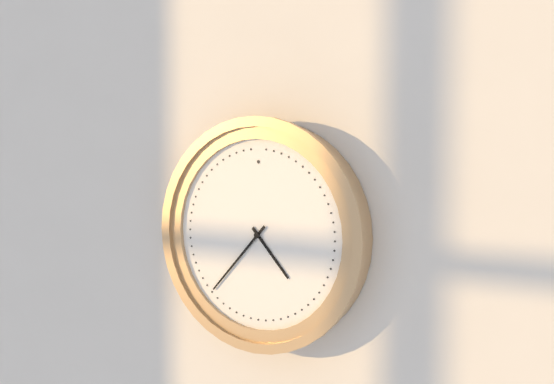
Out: **4:37**
